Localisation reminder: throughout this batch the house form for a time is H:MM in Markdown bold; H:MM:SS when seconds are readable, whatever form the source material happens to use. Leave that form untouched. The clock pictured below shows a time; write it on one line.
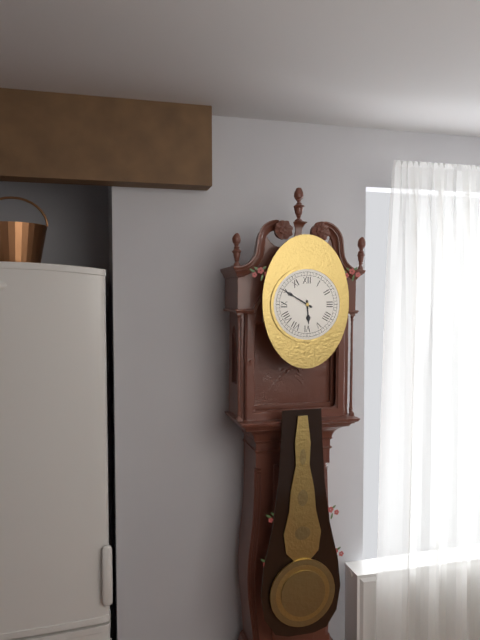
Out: **5:50**
